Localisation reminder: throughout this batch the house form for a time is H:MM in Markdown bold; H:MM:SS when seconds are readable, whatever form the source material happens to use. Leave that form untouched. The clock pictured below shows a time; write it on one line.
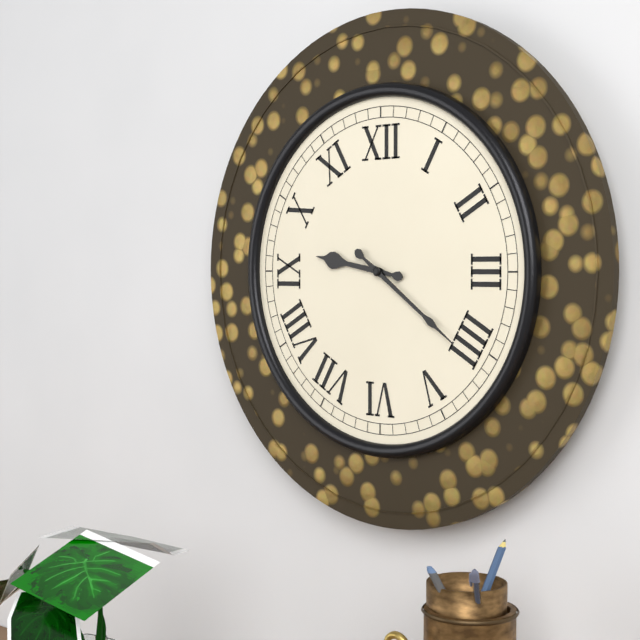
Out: **9:21**
